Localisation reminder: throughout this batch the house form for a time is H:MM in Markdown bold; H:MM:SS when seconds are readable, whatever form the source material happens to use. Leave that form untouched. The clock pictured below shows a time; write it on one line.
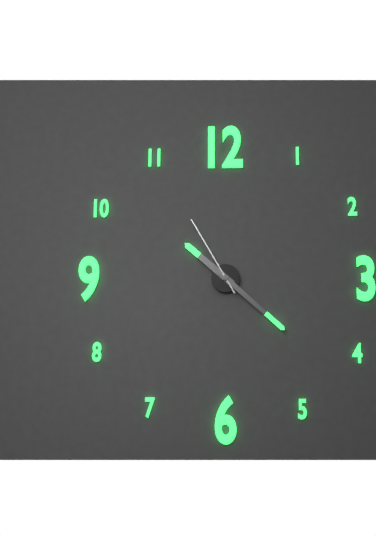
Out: **10:22:55**
